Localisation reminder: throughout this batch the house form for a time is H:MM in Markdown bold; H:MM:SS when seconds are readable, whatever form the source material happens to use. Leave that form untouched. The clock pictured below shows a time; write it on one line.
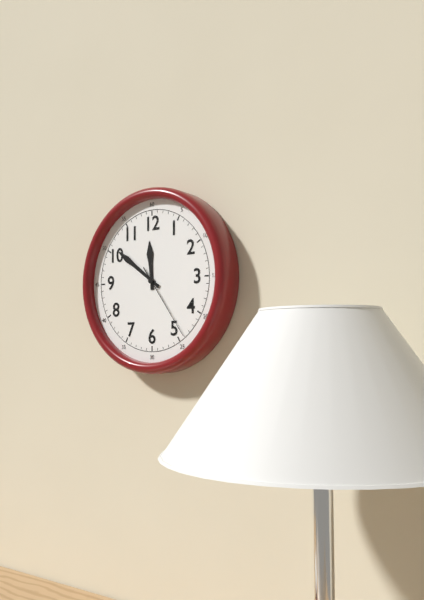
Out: **11:51:24**
